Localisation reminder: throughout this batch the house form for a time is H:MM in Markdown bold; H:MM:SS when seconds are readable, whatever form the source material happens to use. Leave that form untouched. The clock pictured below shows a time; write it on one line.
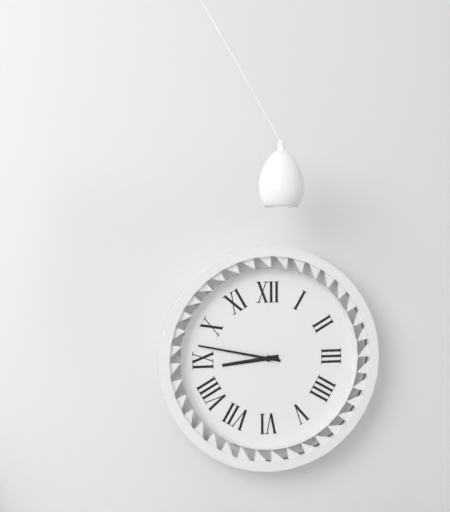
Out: **8:47**
